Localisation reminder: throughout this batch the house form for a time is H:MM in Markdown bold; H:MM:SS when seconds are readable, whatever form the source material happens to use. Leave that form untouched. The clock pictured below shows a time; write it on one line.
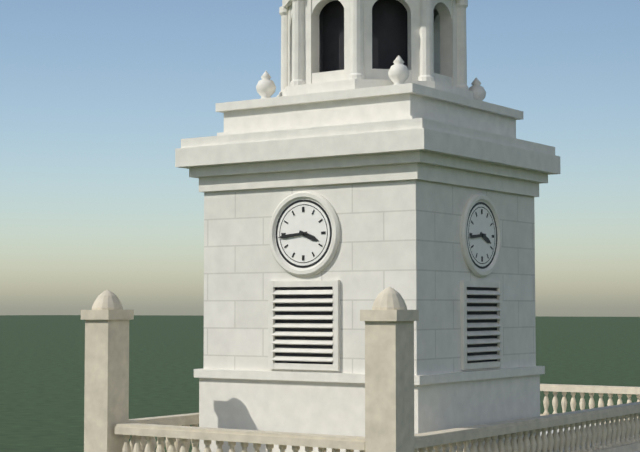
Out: **3:44**
